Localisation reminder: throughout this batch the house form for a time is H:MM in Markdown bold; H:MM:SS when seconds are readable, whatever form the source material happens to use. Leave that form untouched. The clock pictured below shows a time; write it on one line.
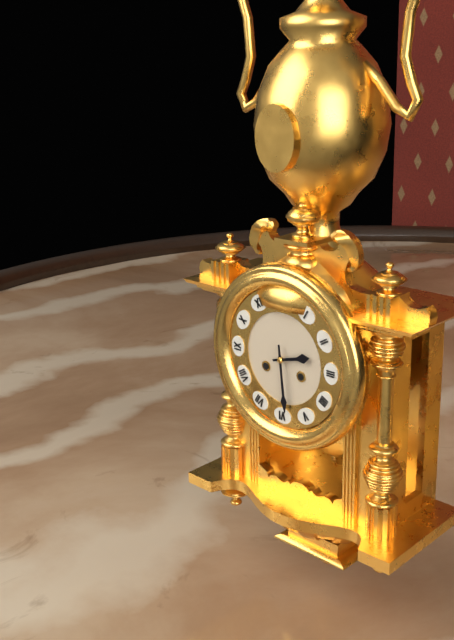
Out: **2:29**
